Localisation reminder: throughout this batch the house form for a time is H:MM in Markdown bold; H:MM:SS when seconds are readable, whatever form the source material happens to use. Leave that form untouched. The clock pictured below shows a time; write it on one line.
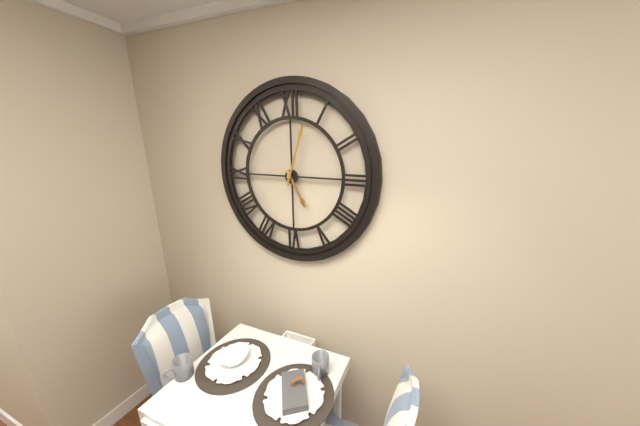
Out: **5:03**
